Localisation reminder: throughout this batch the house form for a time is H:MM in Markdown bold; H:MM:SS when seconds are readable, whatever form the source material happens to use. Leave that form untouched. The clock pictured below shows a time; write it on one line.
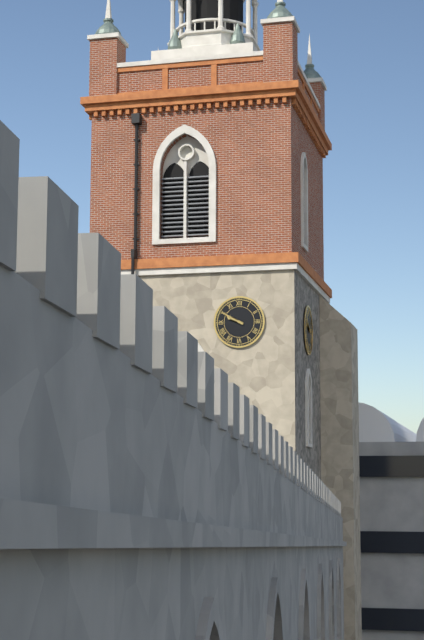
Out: **9:50**
